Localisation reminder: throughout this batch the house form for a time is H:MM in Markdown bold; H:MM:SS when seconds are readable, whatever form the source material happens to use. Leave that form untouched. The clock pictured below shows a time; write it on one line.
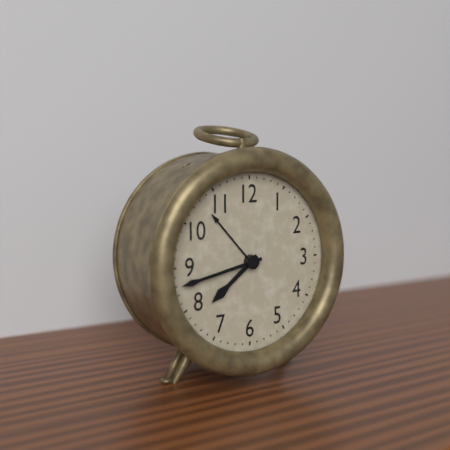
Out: **7:43**
